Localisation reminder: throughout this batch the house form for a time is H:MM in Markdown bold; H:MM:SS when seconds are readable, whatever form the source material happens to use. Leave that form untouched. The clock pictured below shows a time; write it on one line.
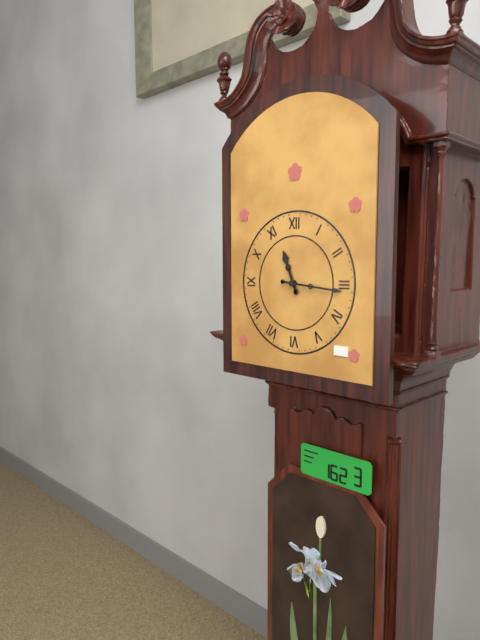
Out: **11:16**
